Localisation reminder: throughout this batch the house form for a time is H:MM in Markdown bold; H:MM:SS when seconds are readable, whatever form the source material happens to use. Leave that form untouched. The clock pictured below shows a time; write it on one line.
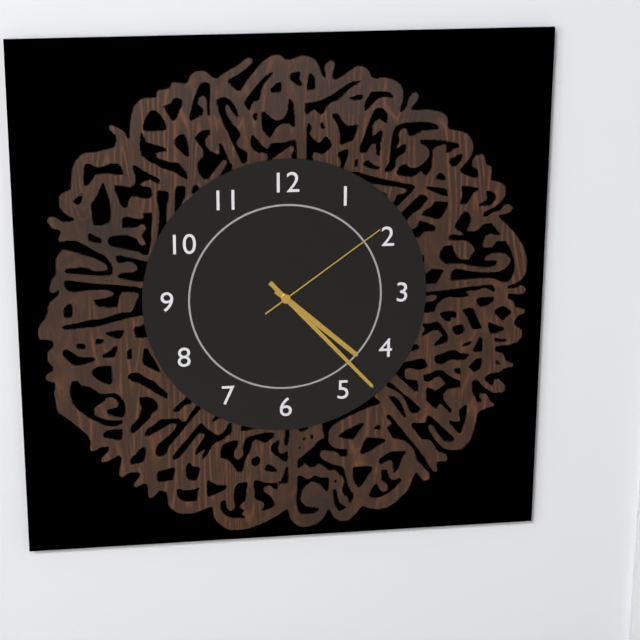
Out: **4:23:09**
